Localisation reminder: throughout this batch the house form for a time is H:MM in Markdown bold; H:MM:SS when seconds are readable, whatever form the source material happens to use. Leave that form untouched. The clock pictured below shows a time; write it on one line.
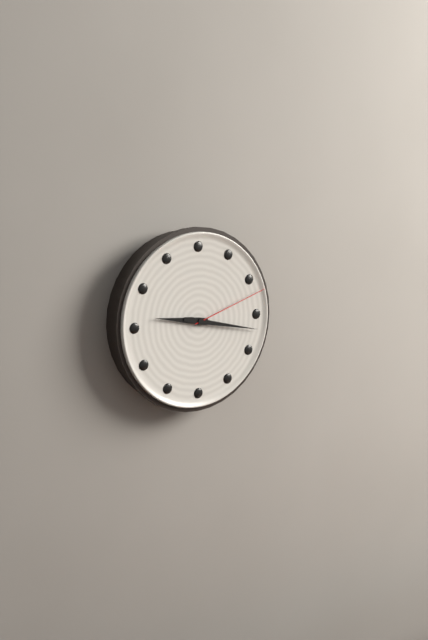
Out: **9:17:12**
